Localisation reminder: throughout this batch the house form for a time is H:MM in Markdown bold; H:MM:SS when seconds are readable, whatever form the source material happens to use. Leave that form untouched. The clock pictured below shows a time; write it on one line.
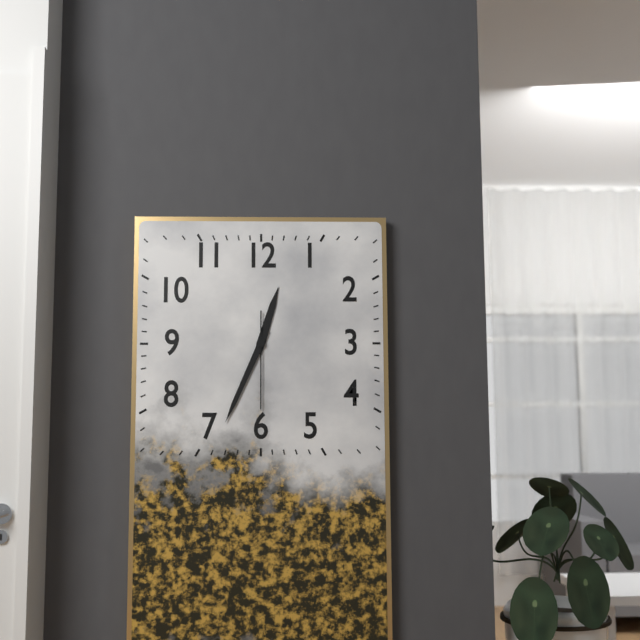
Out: **12:34:30**
